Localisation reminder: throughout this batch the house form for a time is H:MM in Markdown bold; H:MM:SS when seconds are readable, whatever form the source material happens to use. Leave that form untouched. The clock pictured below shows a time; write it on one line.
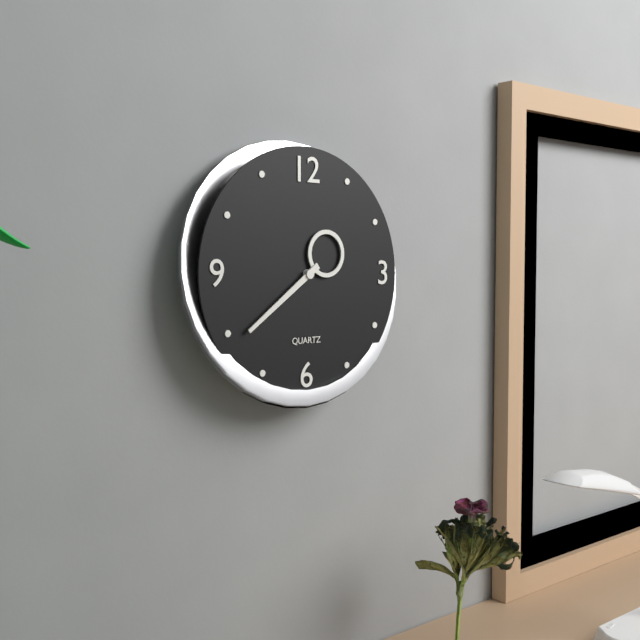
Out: **1:39**
